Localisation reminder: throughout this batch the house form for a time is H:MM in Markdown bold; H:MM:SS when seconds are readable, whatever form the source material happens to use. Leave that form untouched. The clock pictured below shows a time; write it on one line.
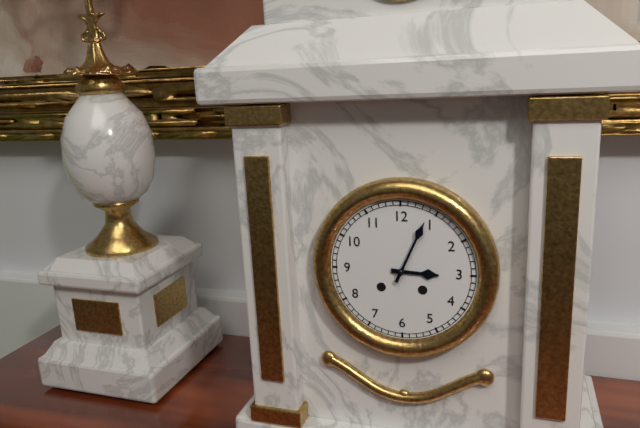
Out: **3:04**
